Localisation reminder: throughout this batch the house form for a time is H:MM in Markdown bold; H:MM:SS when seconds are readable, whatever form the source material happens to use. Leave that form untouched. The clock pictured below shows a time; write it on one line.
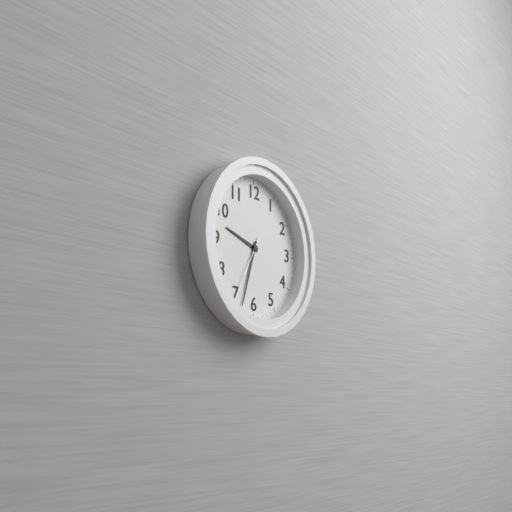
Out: **9:33:35**
